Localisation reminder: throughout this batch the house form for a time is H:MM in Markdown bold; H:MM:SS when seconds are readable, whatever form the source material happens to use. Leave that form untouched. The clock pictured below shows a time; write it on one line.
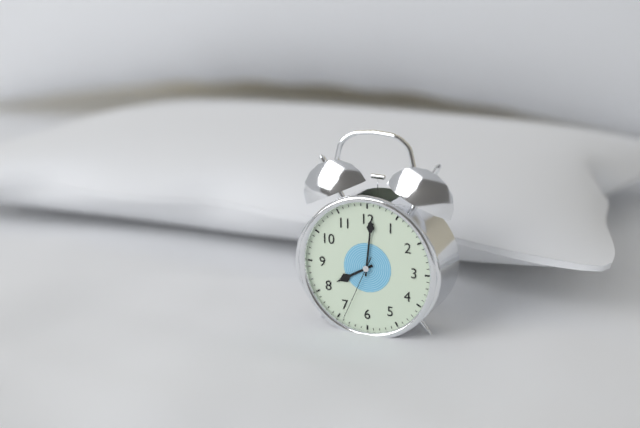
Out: **8:01:34**
